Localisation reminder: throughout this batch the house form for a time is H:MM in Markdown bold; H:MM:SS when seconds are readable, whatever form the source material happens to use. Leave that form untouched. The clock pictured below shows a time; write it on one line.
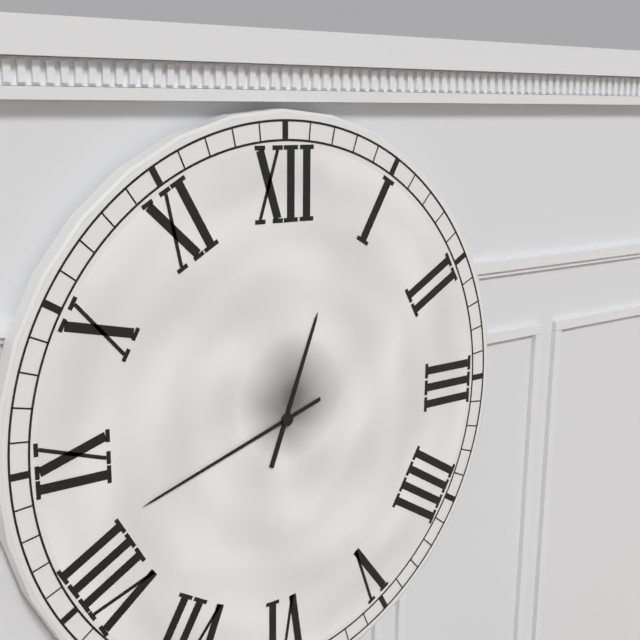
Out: **12:42**
